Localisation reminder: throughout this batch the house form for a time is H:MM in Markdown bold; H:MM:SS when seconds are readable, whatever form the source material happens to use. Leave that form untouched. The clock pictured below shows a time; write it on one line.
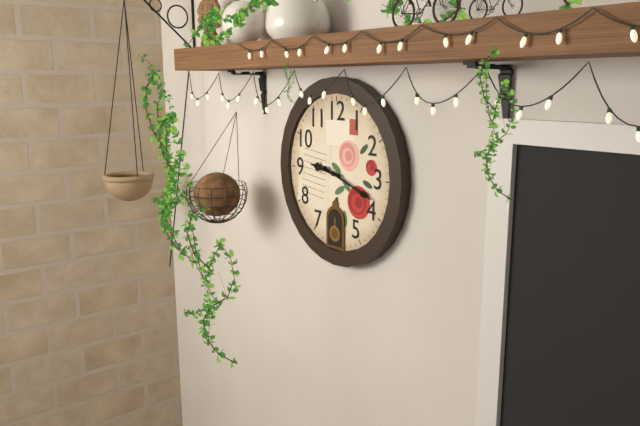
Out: **9:18**
